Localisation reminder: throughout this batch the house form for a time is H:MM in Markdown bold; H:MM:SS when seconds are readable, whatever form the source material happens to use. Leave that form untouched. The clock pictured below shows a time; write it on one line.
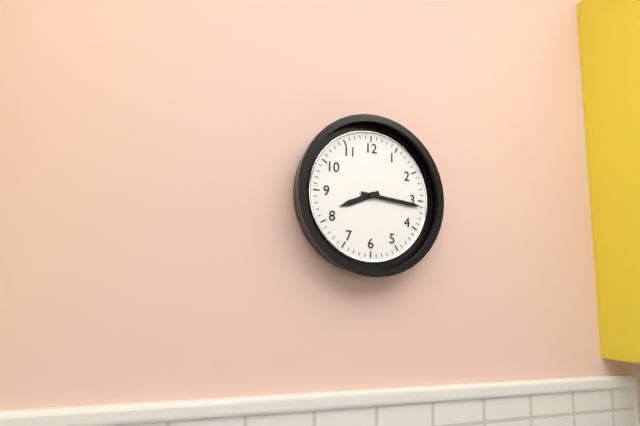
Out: **8:16**
